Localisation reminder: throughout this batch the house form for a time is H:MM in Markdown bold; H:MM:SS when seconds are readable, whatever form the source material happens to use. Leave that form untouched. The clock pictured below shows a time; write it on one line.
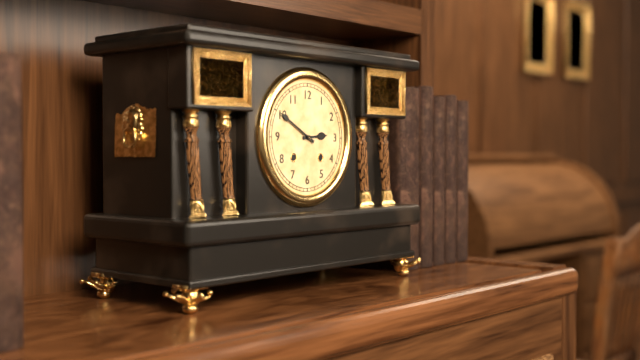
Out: **2:50**
